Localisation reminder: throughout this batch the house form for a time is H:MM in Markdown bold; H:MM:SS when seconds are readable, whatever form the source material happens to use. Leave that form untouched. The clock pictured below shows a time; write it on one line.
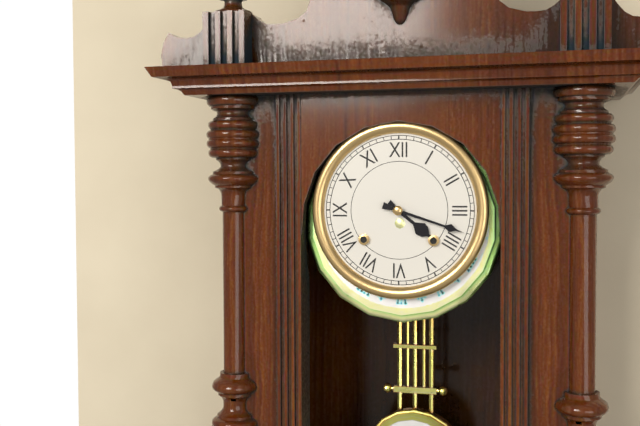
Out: **4:18**
